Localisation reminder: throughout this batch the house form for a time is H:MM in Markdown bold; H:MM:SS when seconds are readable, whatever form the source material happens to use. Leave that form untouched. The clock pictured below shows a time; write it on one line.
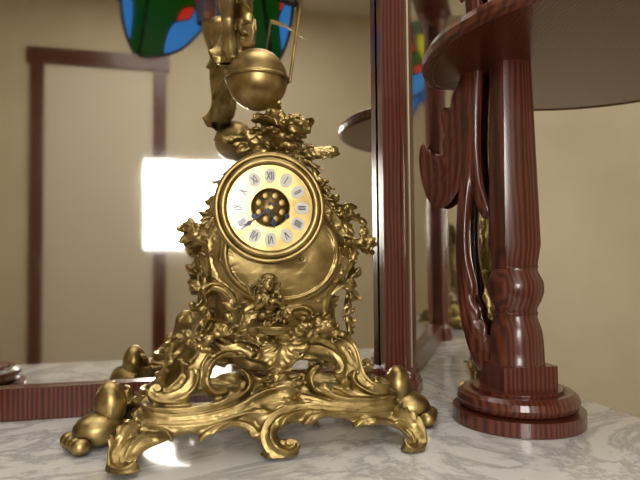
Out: **5:39**
